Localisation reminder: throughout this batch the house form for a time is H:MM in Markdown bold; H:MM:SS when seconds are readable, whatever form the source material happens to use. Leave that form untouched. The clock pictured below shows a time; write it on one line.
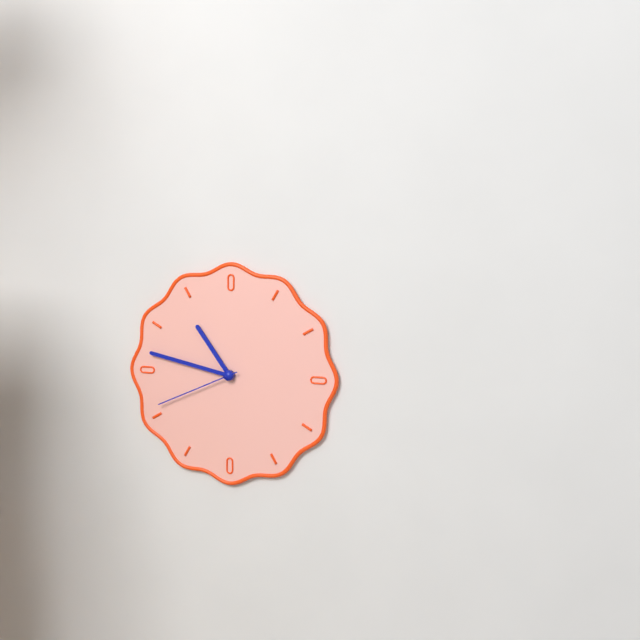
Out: **10:47:41**
